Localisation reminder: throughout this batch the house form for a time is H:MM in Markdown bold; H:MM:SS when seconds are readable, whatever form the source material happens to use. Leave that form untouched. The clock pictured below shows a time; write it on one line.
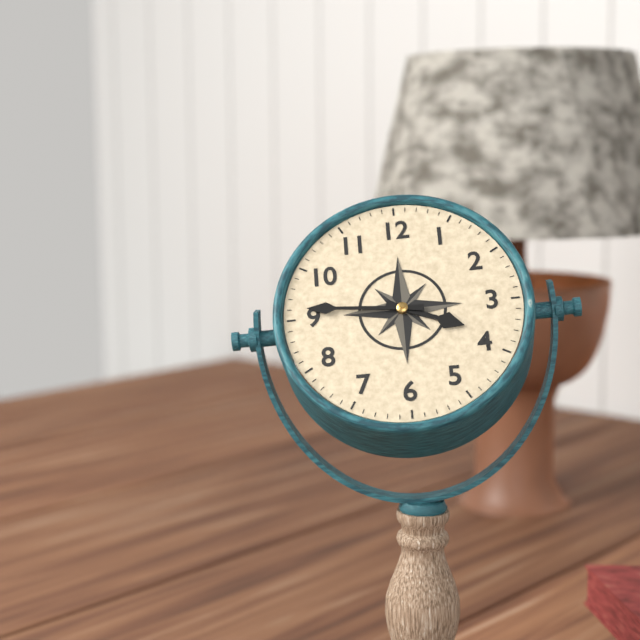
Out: **3:46**
